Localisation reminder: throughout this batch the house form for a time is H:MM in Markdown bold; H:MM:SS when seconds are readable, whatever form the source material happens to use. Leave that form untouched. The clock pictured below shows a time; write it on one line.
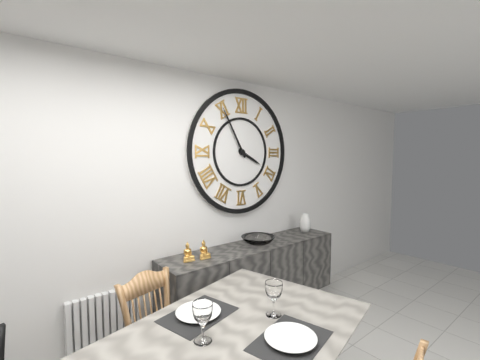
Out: **3:55**
